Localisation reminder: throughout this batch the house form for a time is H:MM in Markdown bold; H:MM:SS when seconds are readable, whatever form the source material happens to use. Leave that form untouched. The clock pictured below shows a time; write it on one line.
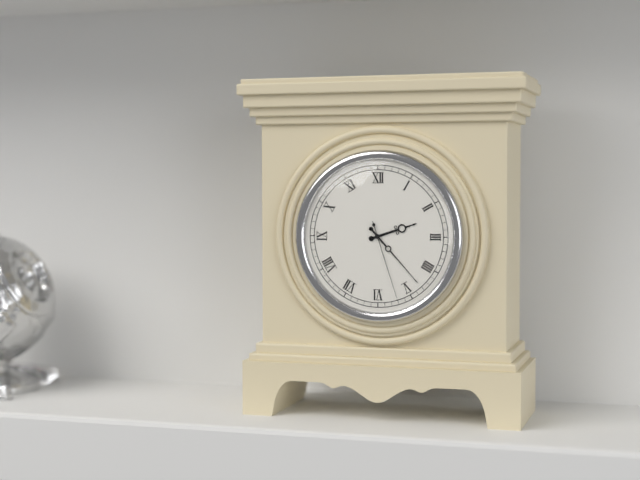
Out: **2:23:27**
